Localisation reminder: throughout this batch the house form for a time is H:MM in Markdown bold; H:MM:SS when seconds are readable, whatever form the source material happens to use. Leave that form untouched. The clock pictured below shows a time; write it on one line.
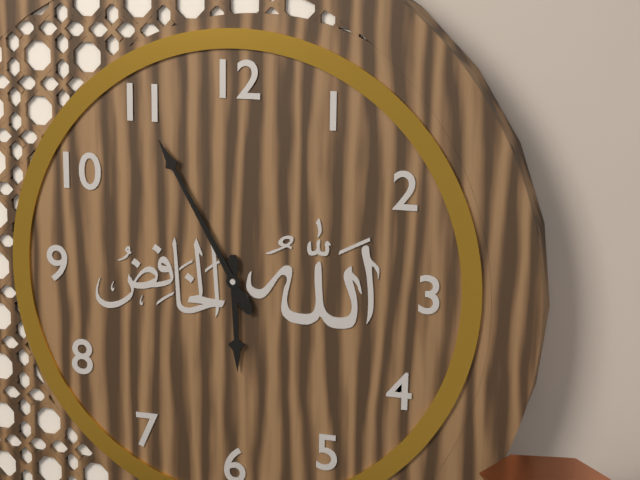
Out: **5:55**
